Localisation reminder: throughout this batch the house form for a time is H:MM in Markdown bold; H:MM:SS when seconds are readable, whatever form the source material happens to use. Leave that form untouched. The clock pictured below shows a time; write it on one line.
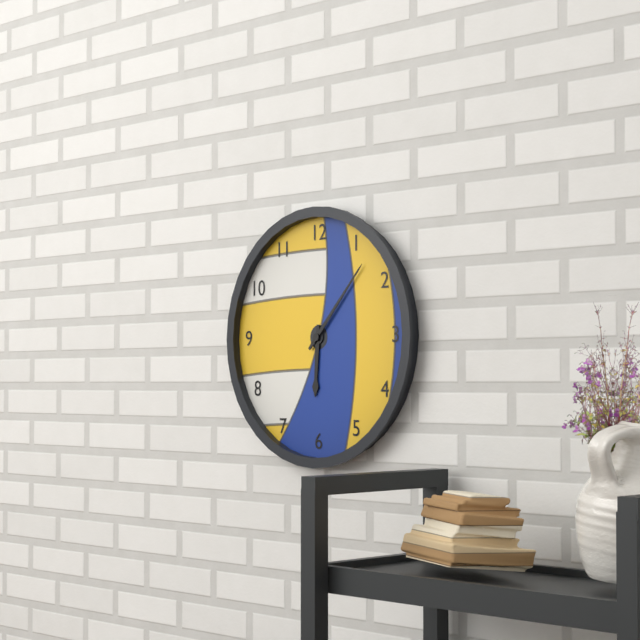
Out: **6:07**
